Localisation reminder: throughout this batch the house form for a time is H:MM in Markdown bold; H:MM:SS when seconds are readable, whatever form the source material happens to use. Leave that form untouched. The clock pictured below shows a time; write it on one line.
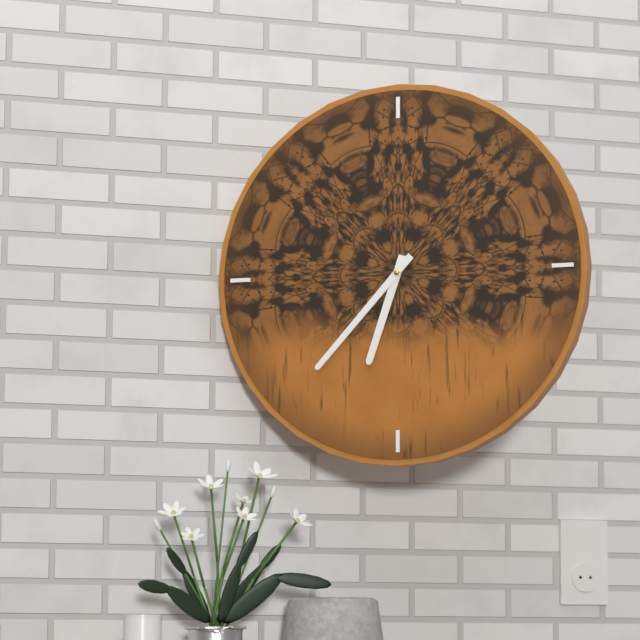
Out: **6:37**
